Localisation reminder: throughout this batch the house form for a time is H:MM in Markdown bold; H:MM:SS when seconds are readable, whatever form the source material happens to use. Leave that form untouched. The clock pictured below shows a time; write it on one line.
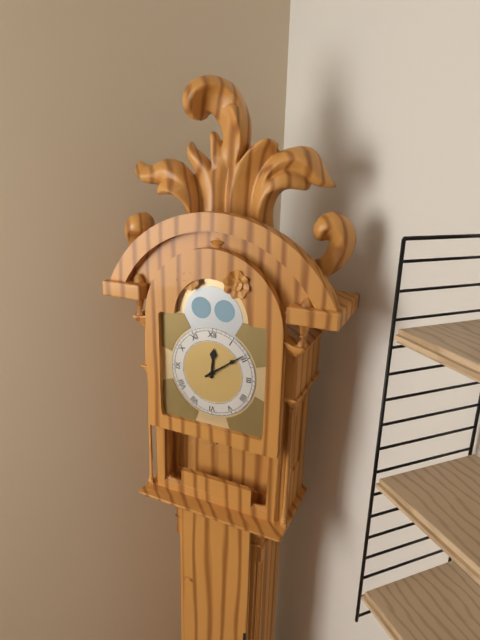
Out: **12:09**
